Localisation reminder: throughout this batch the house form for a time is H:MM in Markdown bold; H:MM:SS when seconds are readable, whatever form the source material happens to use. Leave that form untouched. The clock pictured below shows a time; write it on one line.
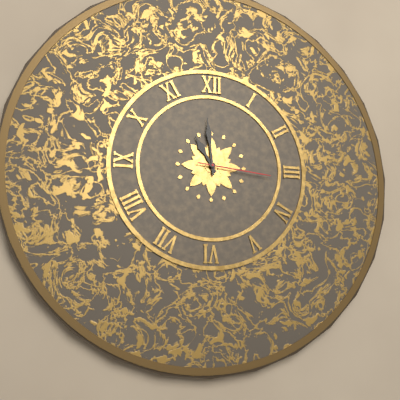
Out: **10:59:16**
